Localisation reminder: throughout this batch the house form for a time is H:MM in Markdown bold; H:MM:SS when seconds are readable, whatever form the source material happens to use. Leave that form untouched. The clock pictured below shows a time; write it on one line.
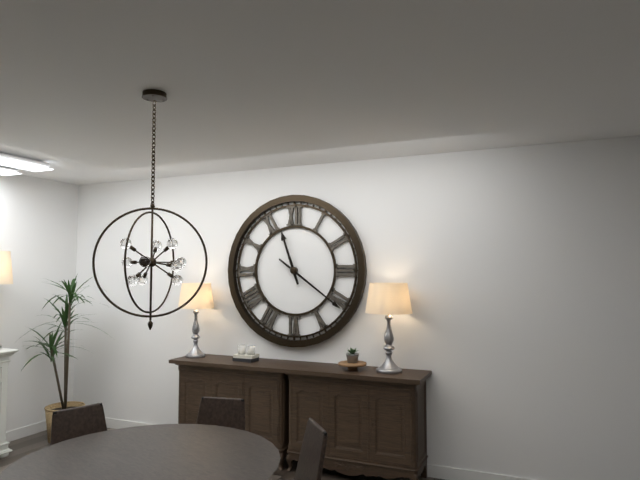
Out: **11:21**
